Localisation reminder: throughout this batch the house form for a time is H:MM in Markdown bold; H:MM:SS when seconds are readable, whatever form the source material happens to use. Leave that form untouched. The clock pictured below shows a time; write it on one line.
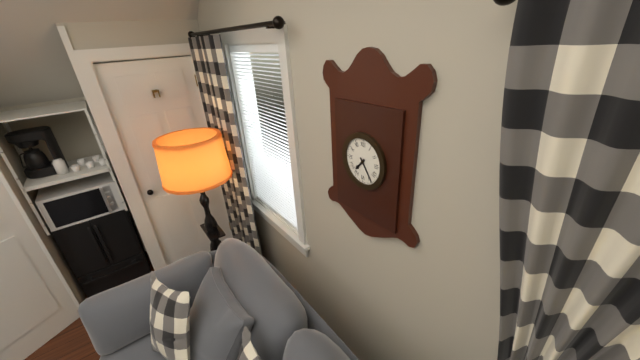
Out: **7:24**
